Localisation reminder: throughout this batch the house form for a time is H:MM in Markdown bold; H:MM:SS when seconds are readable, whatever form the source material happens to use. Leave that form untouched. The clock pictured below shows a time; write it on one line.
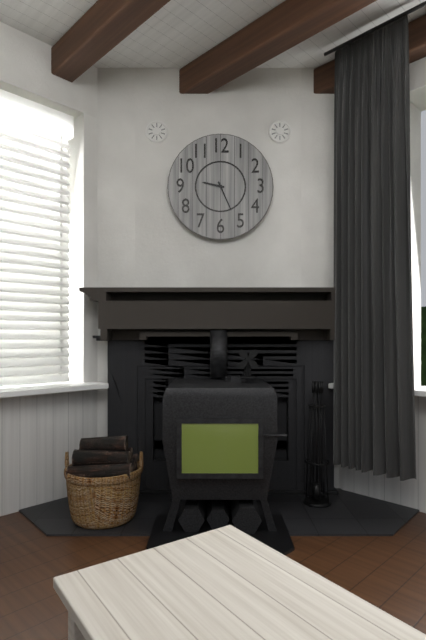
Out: **9:26**
